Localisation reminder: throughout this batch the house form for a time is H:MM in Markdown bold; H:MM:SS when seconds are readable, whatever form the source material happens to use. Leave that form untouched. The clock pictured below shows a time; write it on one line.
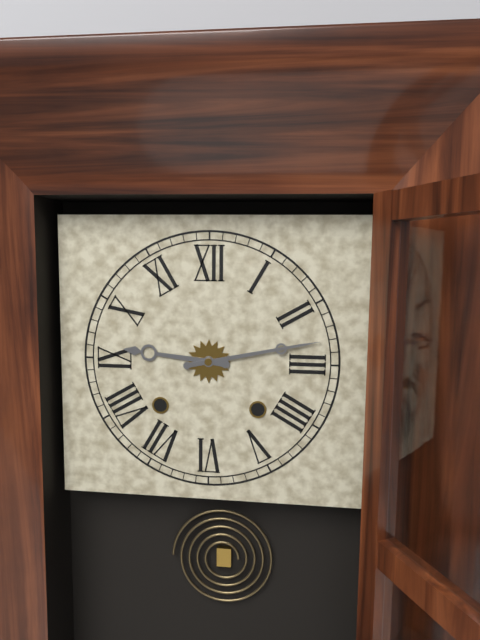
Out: **9:13**
